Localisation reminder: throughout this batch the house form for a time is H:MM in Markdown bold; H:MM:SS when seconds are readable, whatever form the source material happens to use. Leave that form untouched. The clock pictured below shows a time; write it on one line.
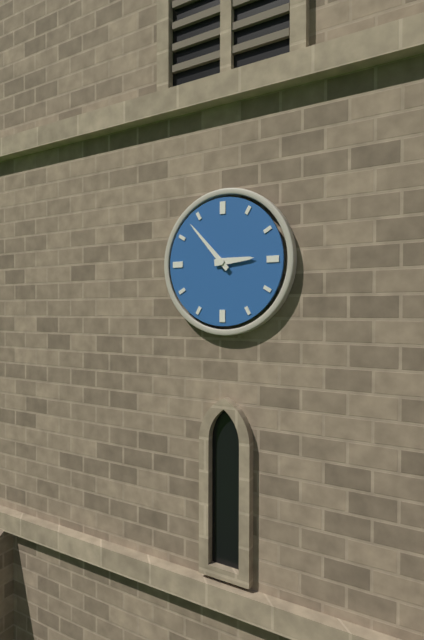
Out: **2:53**
